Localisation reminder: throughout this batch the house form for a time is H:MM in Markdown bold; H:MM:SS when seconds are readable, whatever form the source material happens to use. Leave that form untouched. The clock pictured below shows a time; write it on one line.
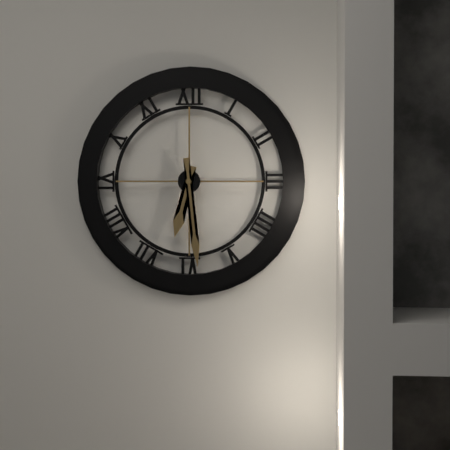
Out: **6:29**
